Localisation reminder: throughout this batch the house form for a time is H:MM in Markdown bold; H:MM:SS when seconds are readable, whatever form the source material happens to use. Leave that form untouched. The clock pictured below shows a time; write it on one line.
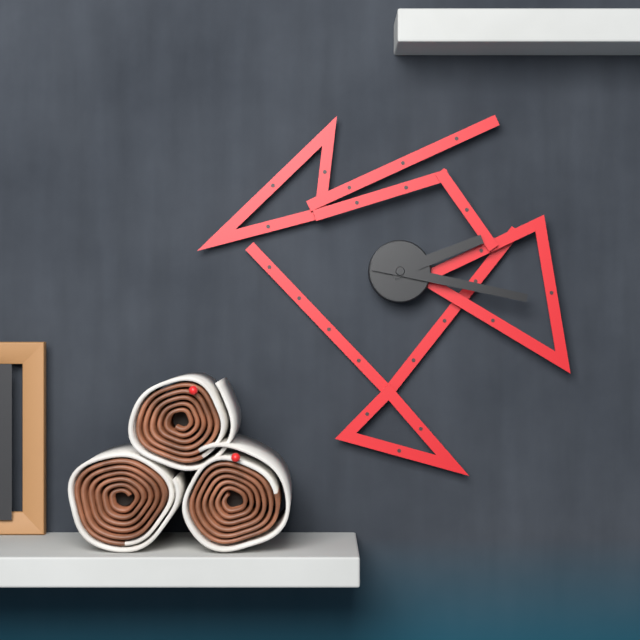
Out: **2:17**
